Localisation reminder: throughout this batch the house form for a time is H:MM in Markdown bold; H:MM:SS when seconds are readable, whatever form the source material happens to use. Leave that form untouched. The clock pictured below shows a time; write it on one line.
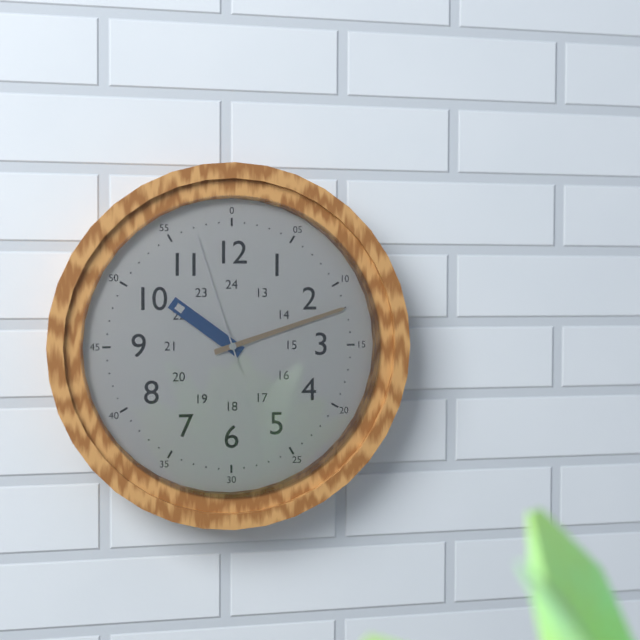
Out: **10:12:57**
